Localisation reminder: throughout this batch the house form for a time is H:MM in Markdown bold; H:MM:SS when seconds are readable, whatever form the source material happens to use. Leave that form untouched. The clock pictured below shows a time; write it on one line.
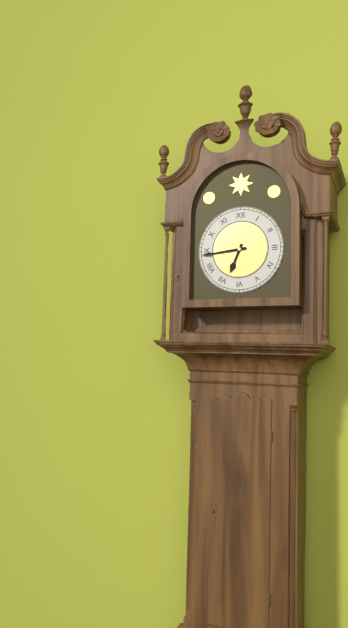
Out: **6:44**
